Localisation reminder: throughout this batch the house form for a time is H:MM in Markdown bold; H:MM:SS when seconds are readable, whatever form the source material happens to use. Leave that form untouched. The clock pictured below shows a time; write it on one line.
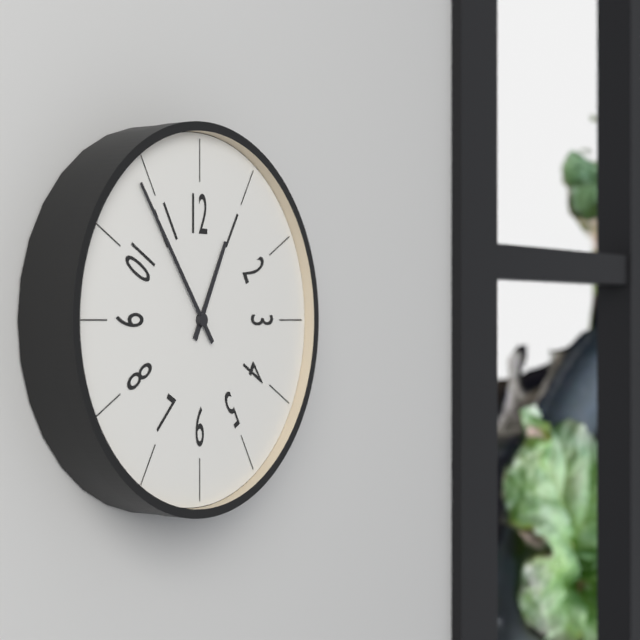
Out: **12:54**
